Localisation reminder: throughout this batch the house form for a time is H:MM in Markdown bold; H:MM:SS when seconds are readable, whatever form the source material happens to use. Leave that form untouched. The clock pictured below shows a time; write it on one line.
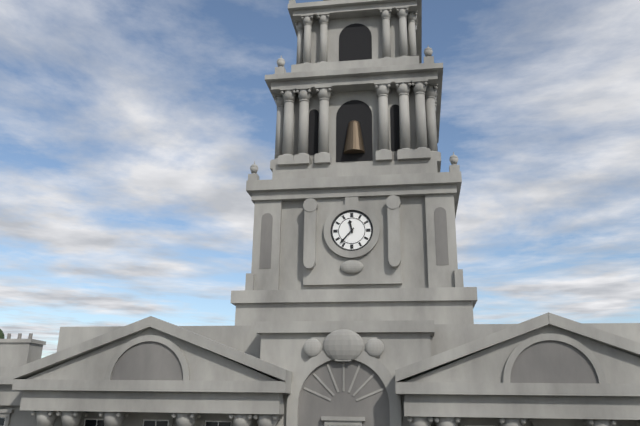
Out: **11:37**
